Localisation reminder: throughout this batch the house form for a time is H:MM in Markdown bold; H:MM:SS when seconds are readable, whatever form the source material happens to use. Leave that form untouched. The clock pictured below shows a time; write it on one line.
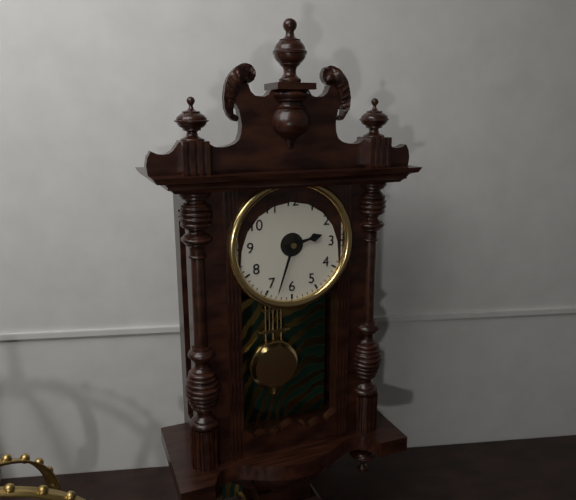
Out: **2:33**
